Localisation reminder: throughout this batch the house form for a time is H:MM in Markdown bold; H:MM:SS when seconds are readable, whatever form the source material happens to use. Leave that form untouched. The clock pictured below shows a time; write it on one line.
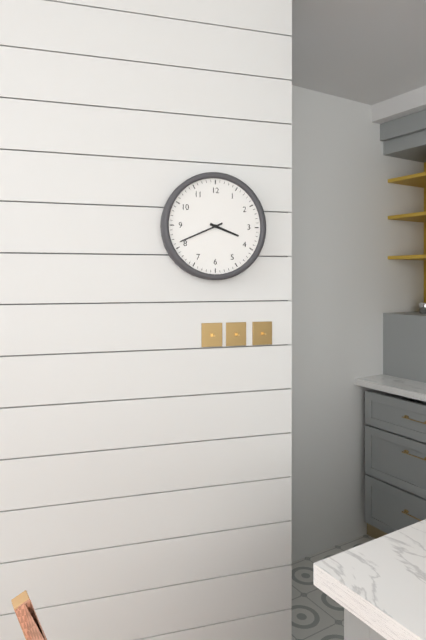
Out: **3:41**
